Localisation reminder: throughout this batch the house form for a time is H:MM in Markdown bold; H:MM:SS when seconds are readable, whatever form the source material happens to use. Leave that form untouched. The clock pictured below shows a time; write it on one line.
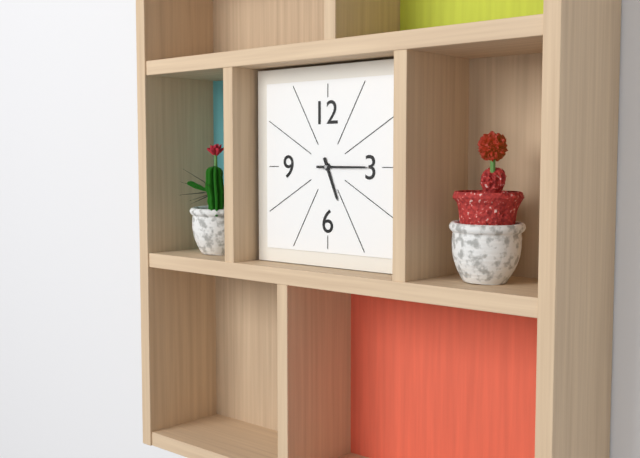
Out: **5:15**
